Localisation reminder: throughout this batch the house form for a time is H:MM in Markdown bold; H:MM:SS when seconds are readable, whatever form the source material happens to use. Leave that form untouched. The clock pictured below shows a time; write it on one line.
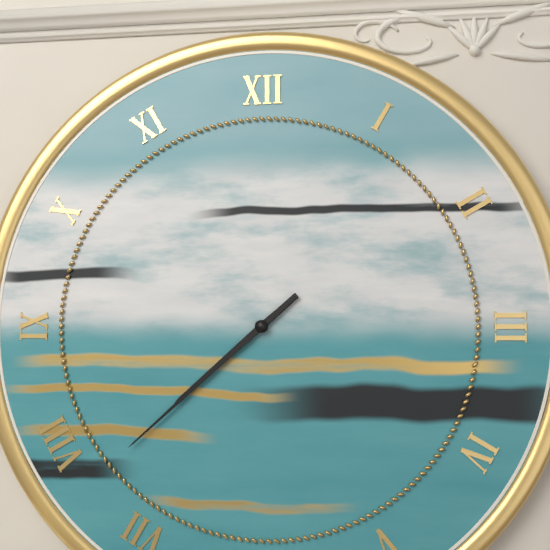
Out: **7:38**
